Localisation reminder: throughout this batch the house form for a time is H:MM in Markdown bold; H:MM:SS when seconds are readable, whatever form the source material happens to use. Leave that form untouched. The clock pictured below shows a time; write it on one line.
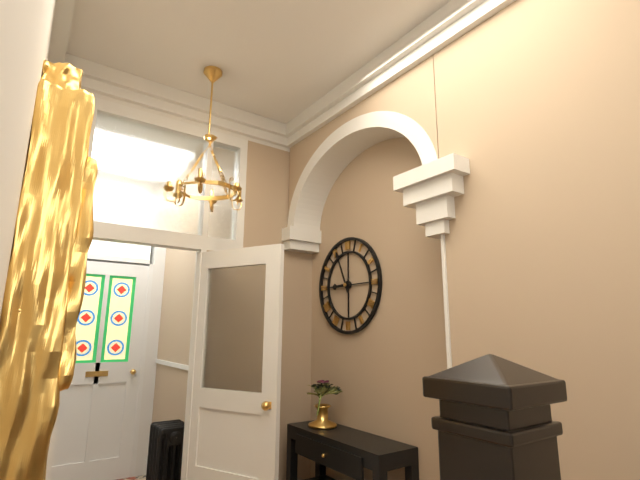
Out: **8:56**
